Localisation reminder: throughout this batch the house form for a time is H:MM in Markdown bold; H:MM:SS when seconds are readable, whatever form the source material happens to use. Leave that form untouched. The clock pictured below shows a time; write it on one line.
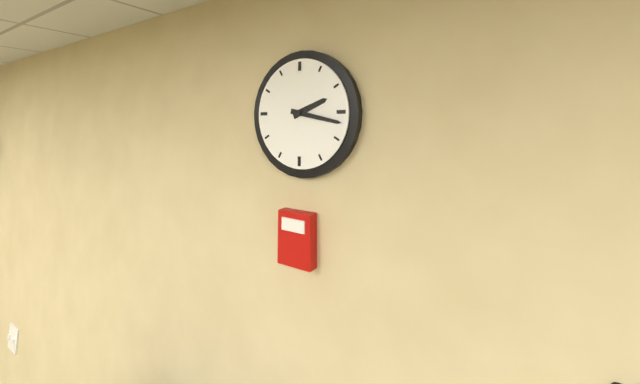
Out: **2:17**
